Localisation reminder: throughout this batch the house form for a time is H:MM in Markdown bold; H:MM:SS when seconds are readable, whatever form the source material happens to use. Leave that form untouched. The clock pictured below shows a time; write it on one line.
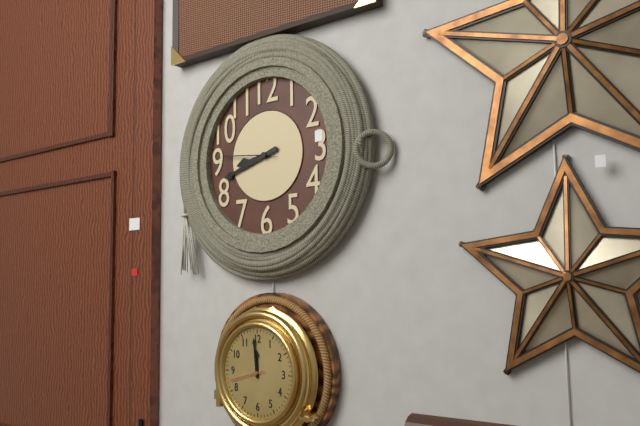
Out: **8:42:46**
